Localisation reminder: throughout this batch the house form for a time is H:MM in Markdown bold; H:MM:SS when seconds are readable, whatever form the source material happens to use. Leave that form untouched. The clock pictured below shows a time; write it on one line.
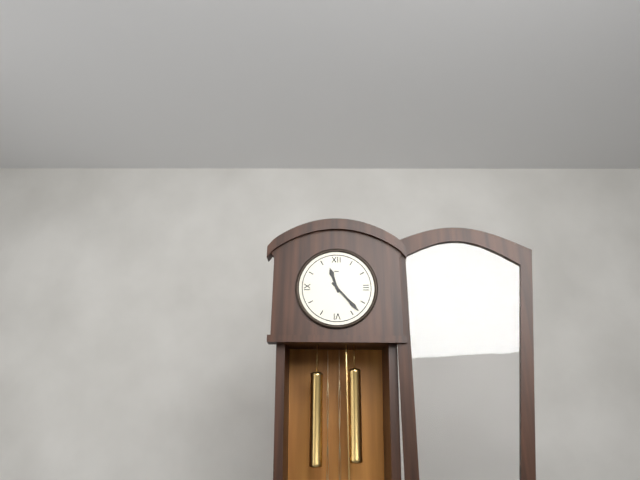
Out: **11:23**
